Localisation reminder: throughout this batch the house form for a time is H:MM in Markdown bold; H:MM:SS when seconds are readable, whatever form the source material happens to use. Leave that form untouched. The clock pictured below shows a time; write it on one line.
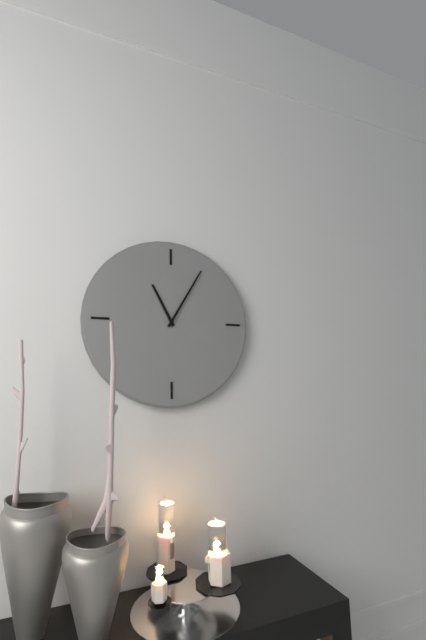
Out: **11:05**
